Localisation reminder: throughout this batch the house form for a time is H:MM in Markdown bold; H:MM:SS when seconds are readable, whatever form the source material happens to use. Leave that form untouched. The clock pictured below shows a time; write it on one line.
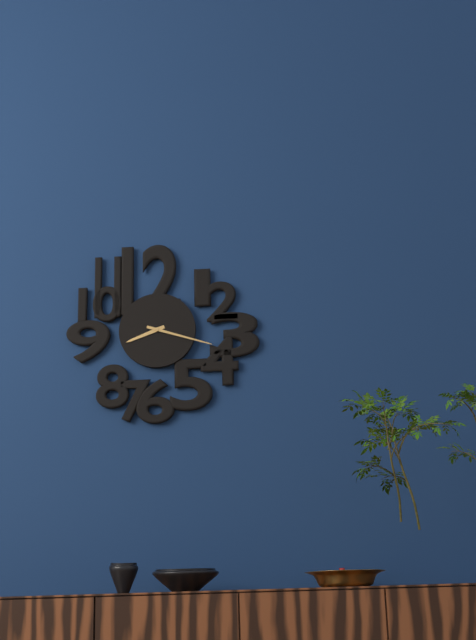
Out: **8:18**
